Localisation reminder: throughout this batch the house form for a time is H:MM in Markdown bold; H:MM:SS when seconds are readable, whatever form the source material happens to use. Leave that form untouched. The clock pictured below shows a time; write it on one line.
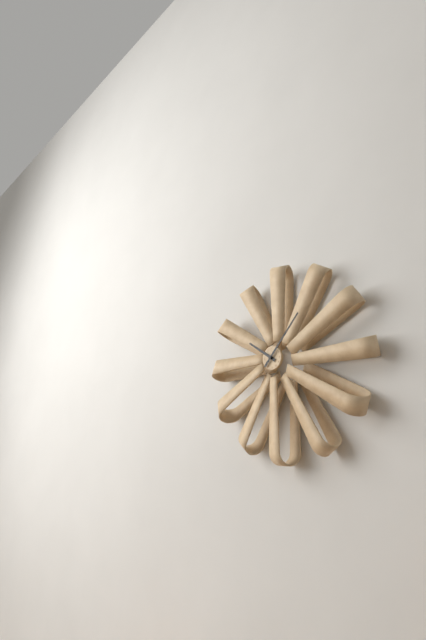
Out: **10:07**
